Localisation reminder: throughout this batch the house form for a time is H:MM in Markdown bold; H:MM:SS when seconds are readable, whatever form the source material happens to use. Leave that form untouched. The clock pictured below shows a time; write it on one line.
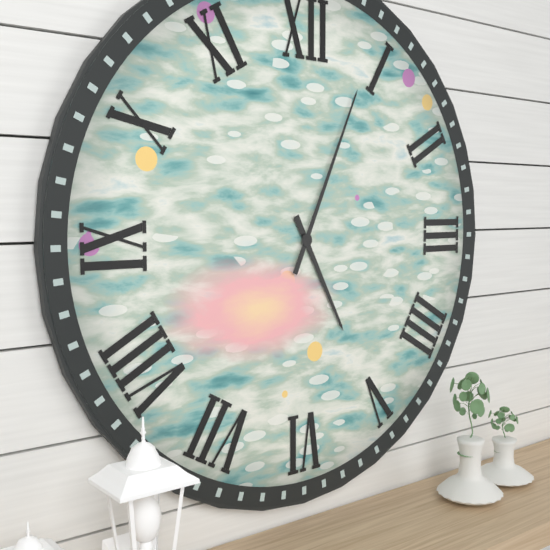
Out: **5:04**
